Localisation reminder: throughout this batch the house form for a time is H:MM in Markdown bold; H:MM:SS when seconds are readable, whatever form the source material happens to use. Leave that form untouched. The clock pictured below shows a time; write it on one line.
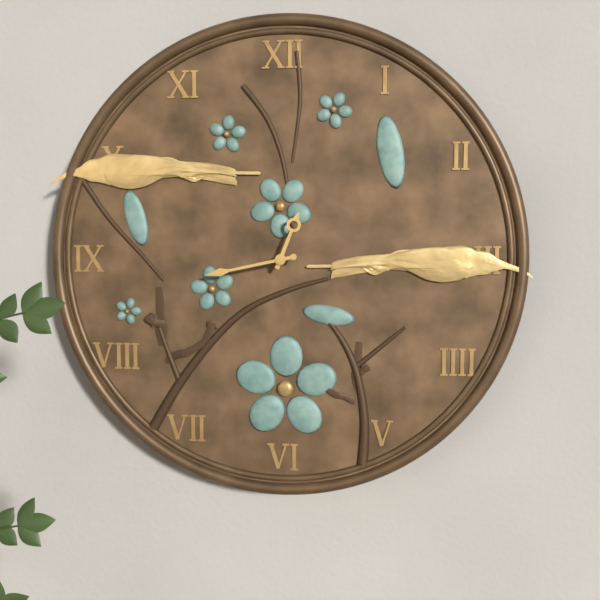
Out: **12:43**
